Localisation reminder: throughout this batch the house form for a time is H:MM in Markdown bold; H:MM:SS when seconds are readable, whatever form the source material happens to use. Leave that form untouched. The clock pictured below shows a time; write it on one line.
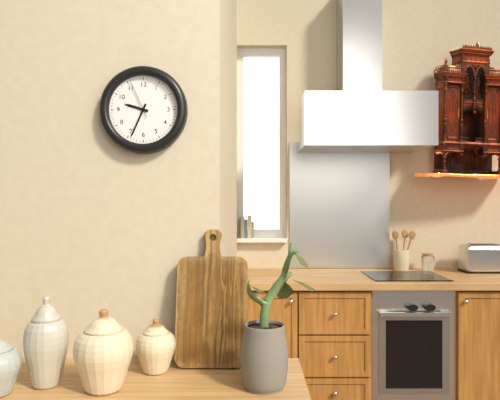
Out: **9:34**
